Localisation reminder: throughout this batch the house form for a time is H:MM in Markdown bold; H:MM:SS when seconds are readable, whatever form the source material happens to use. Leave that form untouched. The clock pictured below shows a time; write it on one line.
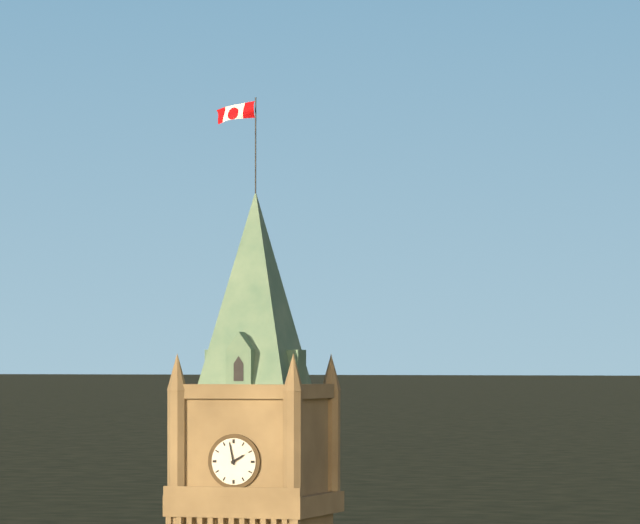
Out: **1:58**
